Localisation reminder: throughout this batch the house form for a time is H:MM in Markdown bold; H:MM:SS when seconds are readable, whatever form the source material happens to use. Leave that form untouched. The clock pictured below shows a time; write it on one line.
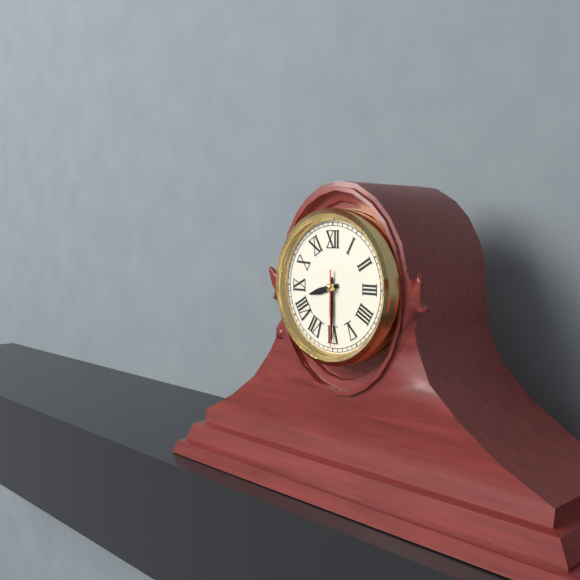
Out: **8:30:30**
